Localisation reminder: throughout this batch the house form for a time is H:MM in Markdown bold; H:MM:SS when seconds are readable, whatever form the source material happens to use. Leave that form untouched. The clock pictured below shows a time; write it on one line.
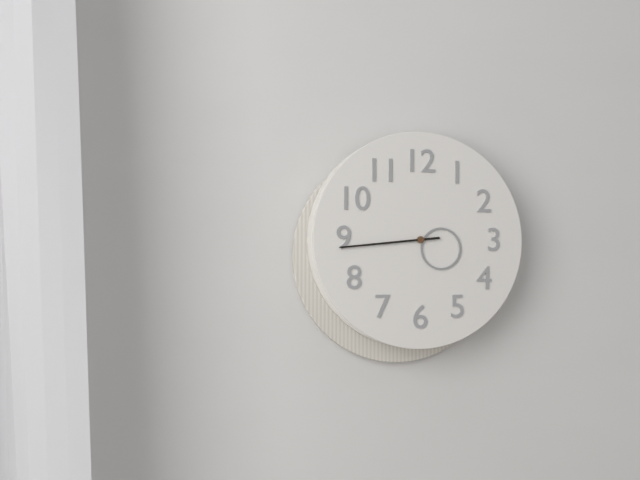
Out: **3:44**
